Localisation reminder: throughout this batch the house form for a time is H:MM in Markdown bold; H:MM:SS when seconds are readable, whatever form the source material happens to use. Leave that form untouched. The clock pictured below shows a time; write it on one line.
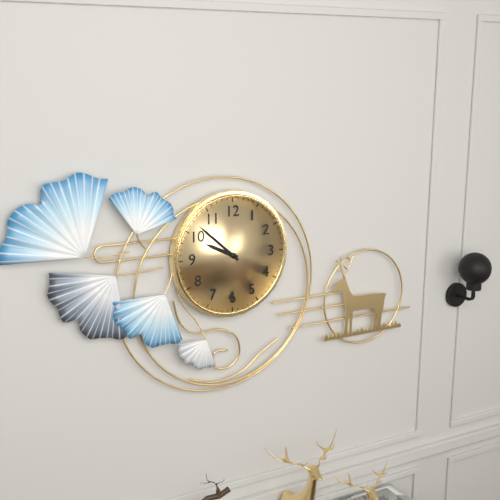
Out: **9:52**
